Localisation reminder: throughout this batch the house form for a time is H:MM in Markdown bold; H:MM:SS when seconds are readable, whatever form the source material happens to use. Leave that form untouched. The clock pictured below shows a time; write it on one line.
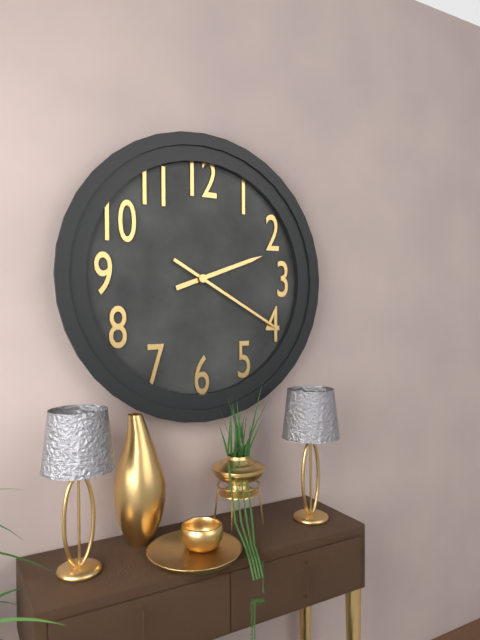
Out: **2:20**
